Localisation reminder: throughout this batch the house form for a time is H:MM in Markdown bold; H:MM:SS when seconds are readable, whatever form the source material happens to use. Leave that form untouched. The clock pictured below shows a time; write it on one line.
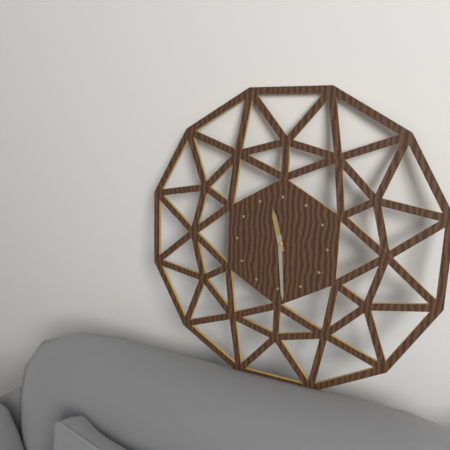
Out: **11:29**
